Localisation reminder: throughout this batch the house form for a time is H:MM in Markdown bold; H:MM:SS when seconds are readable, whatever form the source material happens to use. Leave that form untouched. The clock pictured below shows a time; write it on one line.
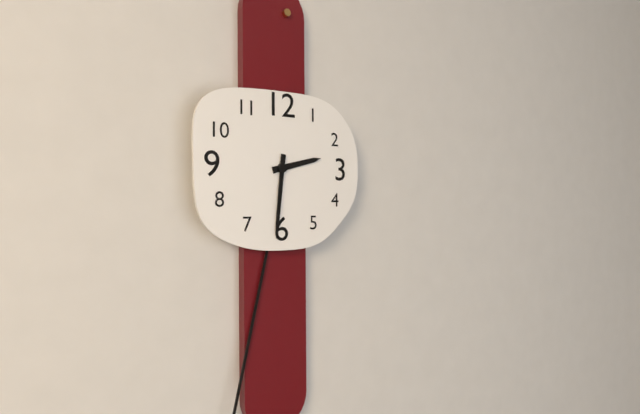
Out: **2:31**
